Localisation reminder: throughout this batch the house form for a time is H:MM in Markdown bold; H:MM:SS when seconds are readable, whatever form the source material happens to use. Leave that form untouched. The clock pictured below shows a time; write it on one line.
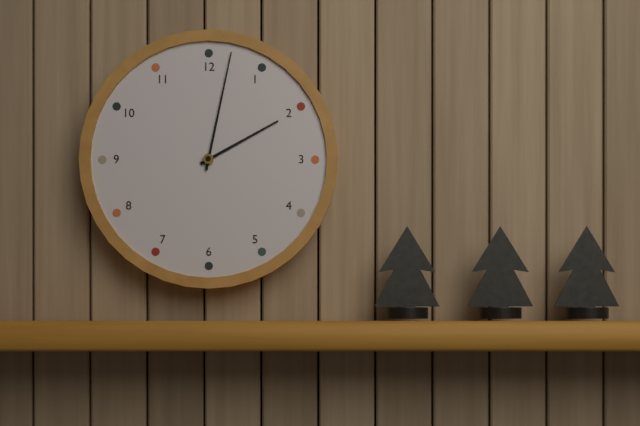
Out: **2:02**
